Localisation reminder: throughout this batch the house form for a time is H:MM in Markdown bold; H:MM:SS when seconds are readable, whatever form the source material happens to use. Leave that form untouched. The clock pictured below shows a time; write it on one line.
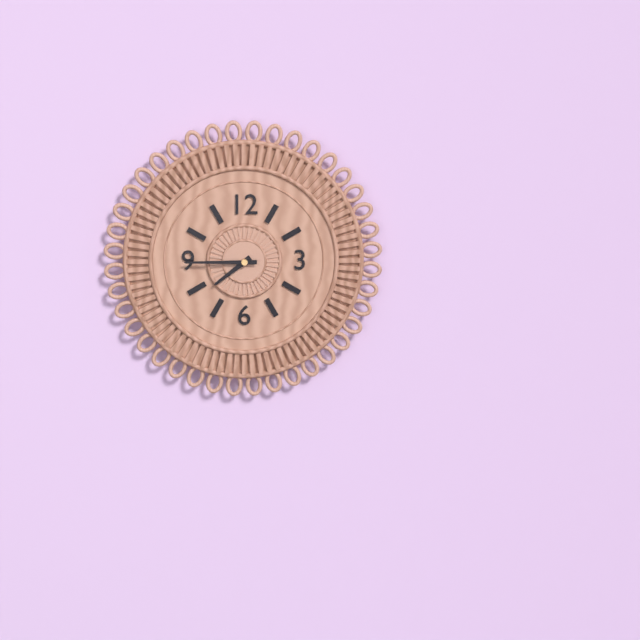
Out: **7:45**
